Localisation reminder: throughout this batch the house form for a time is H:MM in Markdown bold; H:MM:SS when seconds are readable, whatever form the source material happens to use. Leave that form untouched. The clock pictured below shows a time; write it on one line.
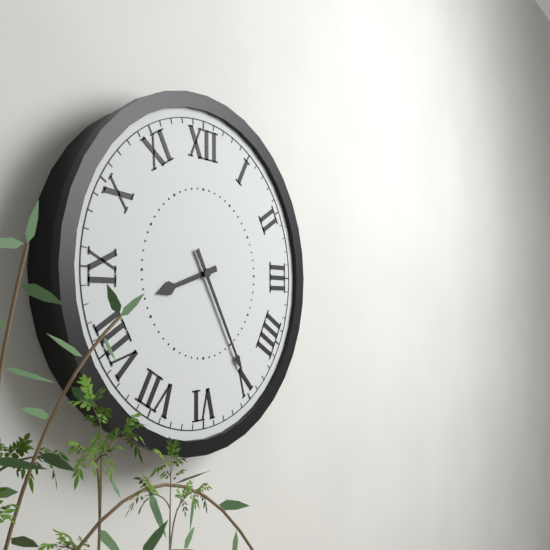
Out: **8:25**
